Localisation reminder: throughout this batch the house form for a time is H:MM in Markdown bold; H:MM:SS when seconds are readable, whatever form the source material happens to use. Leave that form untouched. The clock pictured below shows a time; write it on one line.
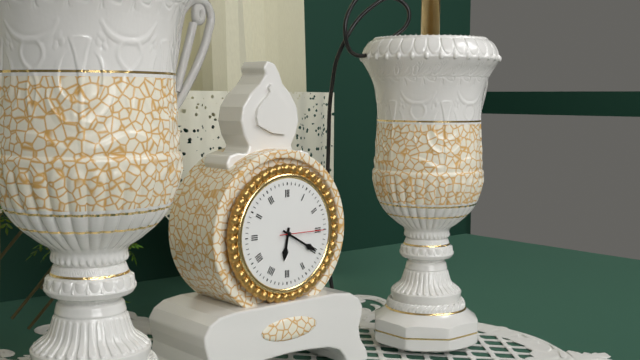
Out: **6:20:15**
